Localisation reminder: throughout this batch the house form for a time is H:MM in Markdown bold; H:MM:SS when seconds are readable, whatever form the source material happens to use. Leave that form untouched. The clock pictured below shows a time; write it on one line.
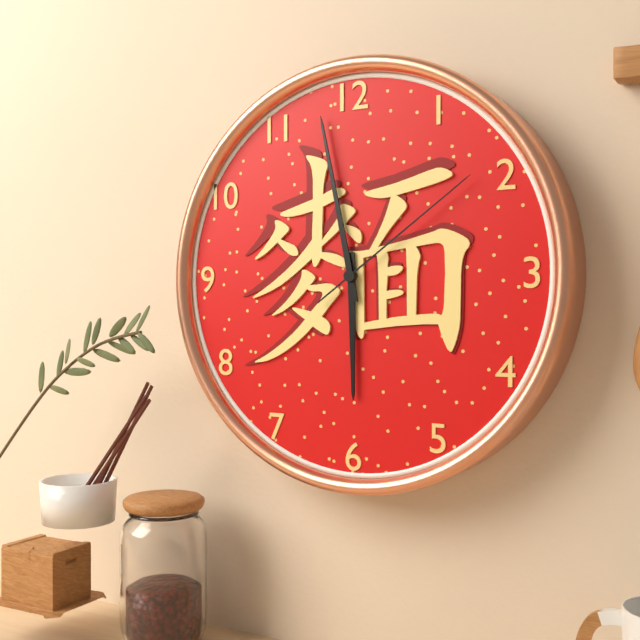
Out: **5:58:09**
